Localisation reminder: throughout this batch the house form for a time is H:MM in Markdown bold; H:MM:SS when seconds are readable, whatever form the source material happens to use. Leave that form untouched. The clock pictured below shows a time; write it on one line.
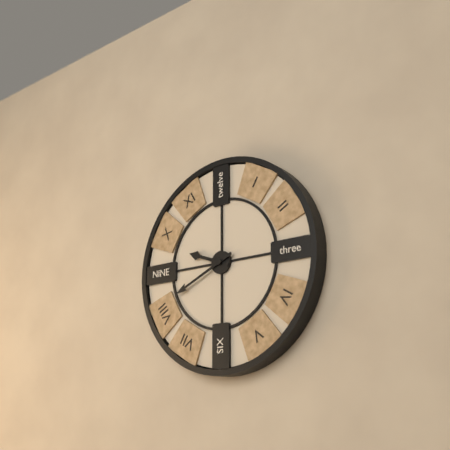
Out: **9:41**
